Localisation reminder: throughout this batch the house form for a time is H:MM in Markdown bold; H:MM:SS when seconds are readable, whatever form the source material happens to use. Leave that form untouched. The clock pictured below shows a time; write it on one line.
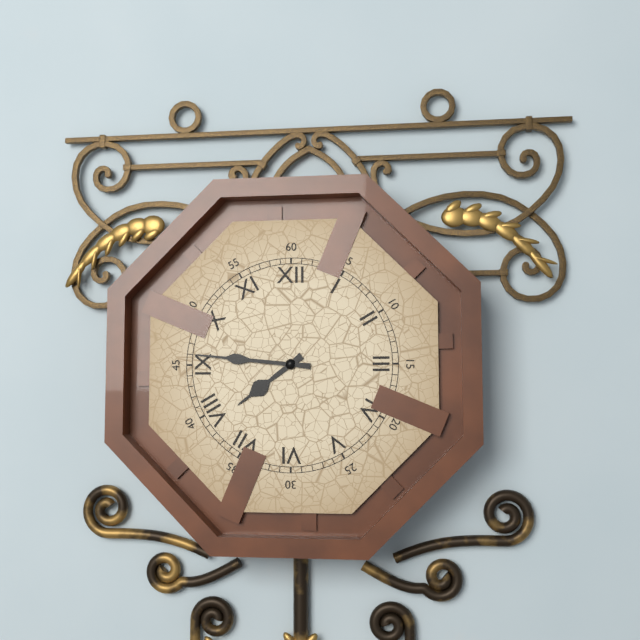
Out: **7:46**
